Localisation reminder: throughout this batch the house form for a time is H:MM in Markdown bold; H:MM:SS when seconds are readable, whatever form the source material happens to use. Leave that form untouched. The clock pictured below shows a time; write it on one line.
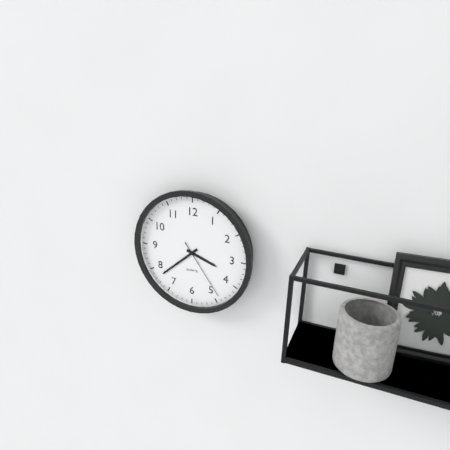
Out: **3:38:24**
